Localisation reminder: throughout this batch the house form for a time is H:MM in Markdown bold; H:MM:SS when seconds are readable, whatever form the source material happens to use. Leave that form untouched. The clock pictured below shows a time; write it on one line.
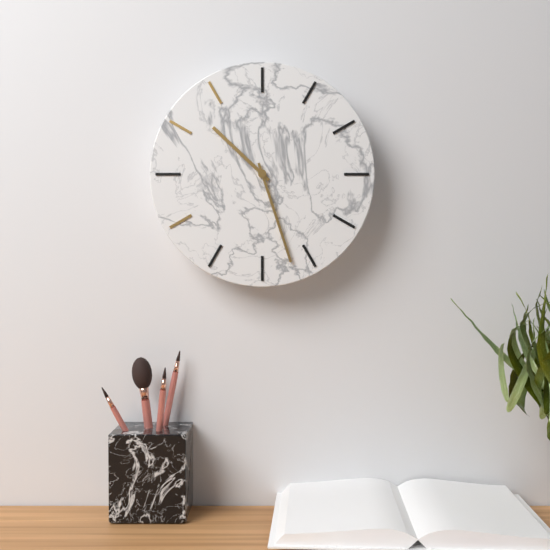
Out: **10:27**
